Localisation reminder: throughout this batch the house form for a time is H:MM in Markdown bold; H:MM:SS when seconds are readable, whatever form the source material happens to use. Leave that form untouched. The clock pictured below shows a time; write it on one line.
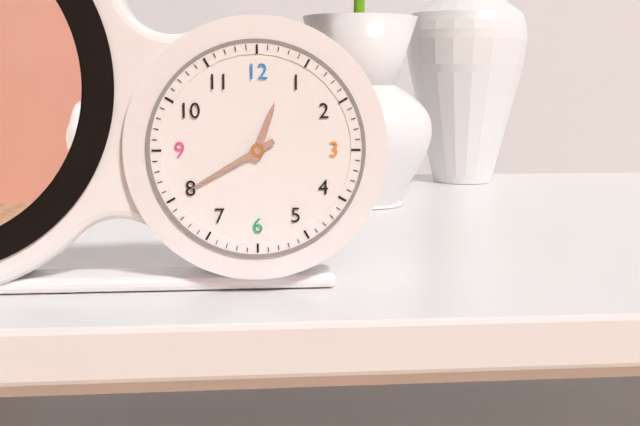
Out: **12:40**
